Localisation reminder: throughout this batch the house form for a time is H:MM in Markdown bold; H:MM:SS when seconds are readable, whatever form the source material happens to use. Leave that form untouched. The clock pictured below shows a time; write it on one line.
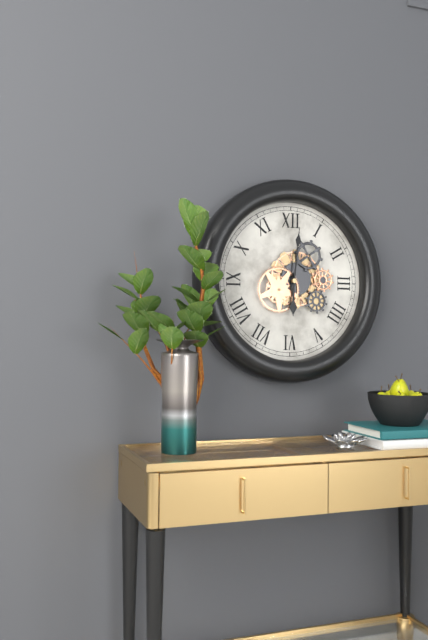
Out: **6:01**
